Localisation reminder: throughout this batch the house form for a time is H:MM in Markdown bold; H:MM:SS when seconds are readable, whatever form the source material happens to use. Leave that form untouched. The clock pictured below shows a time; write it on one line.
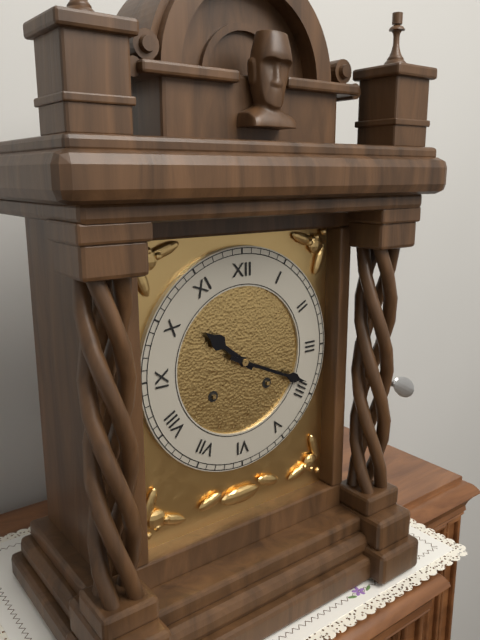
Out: **10:19**
